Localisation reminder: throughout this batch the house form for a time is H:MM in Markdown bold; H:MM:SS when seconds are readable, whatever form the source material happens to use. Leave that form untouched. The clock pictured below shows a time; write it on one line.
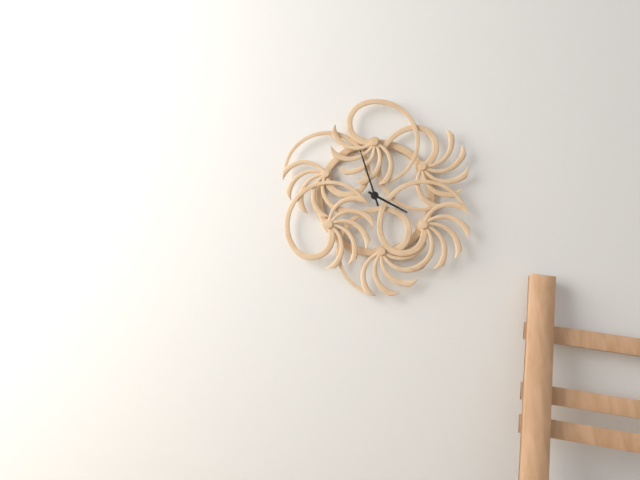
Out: **3:57**
